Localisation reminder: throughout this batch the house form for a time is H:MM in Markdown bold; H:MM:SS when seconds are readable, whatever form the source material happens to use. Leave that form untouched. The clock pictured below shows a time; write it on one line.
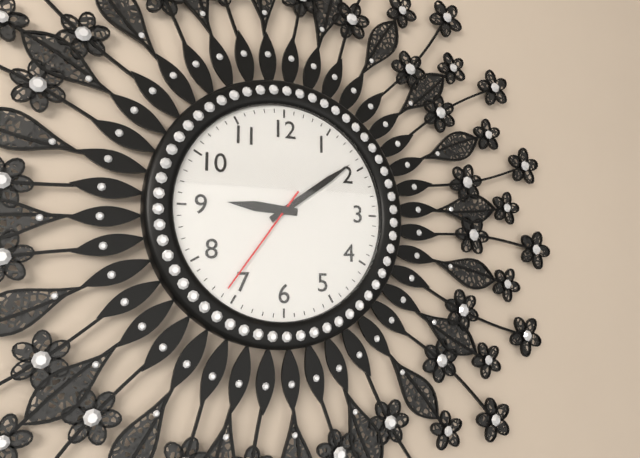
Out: **9:09:36**
